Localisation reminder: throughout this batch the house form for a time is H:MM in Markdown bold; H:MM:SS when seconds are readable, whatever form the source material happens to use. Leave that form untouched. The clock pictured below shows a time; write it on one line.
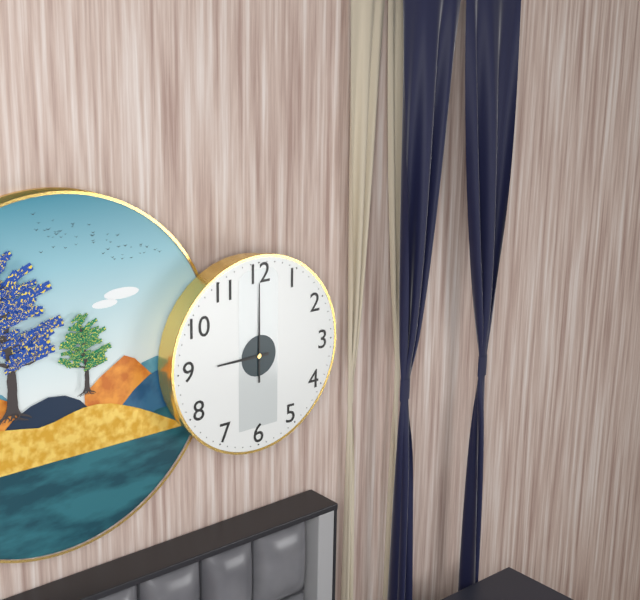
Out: **9:00**
